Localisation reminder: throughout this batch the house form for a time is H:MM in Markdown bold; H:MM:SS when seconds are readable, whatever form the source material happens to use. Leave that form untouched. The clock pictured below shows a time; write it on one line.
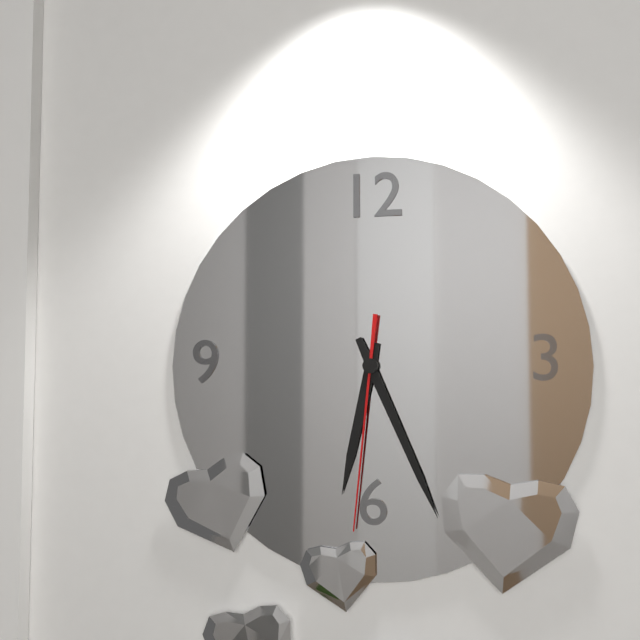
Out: **6:26:31**
